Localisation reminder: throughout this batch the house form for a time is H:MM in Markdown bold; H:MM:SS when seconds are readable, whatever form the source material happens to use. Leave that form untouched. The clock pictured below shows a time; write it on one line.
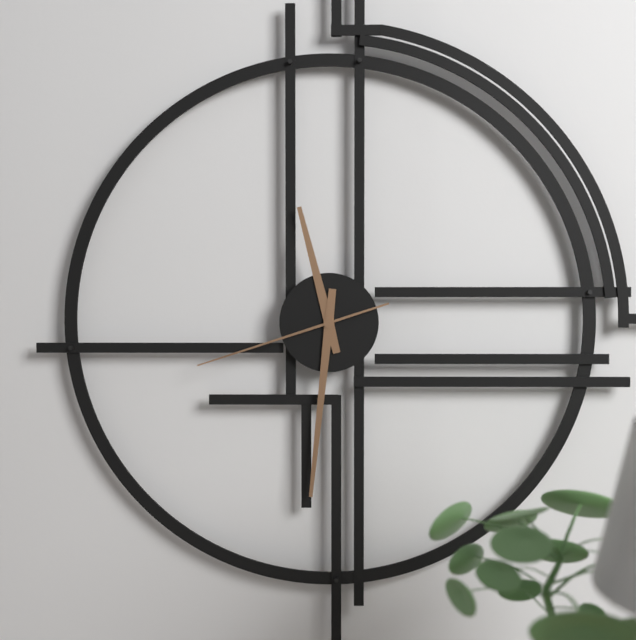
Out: **11:31:42**
